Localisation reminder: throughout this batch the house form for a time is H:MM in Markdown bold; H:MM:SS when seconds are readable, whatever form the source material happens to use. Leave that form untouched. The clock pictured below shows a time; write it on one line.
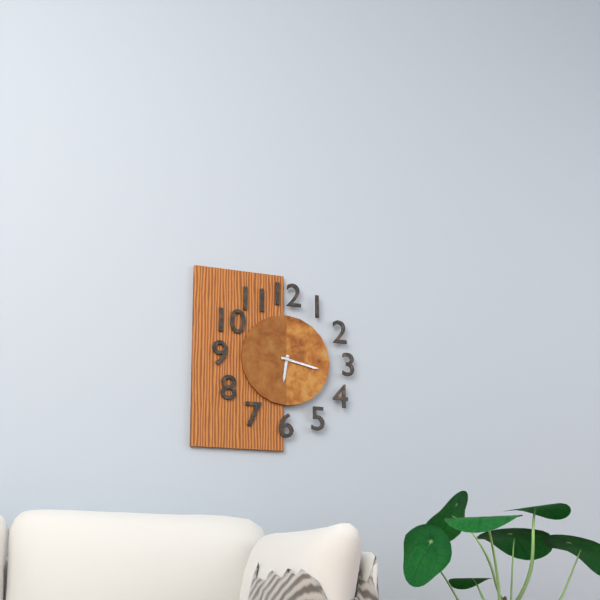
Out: **6:17**
